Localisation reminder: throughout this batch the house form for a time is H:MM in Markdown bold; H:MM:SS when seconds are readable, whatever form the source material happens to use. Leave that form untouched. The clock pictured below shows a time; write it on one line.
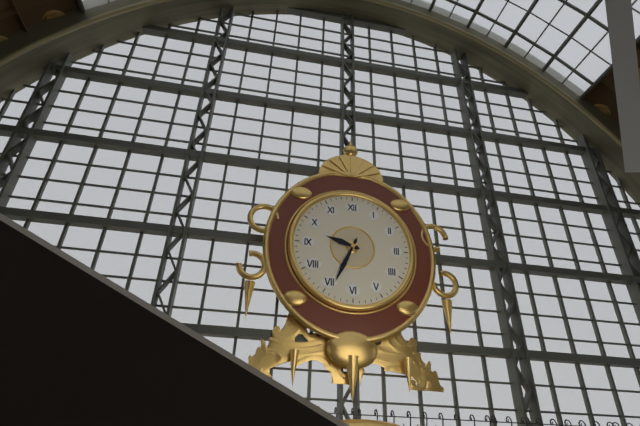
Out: **9:34**
